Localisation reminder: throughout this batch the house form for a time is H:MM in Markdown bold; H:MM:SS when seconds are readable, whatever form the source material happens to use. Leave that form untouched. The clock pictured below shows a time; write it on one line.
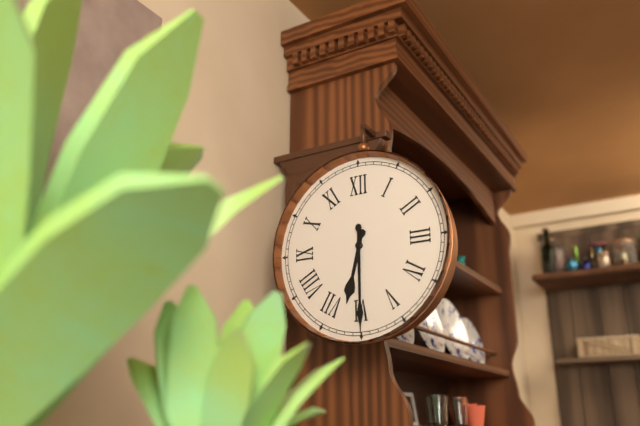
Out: **6:30**
